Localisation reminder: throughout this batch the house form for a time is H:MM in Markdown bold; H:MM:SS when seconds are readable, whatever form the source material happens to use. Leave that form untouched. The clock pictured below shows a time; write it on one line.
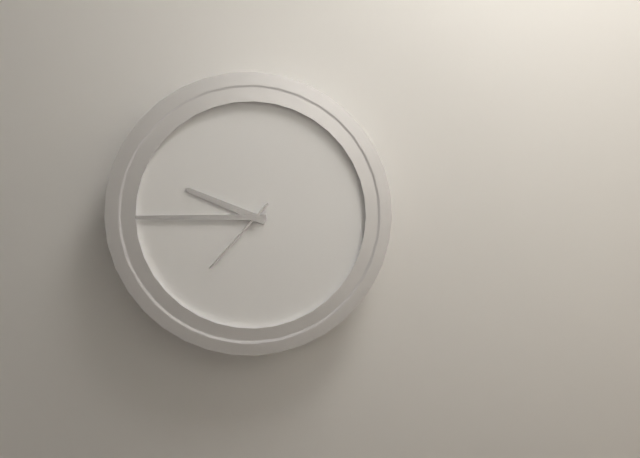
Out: **9:45:37**
